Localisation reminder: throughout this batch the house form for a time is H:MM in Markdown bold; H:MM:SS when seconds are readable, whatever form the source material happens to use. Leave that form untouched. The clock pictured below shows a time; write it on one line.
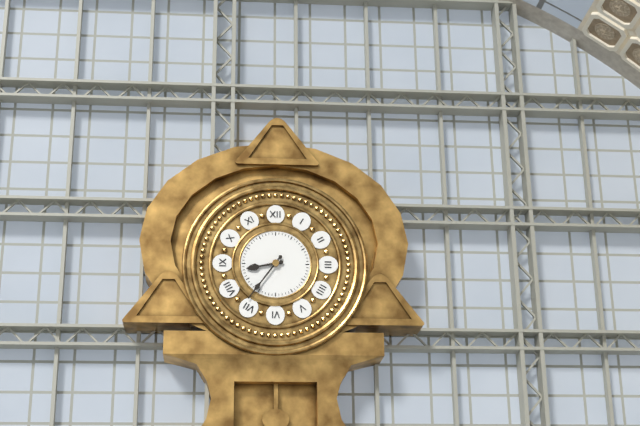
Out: **8:36**
